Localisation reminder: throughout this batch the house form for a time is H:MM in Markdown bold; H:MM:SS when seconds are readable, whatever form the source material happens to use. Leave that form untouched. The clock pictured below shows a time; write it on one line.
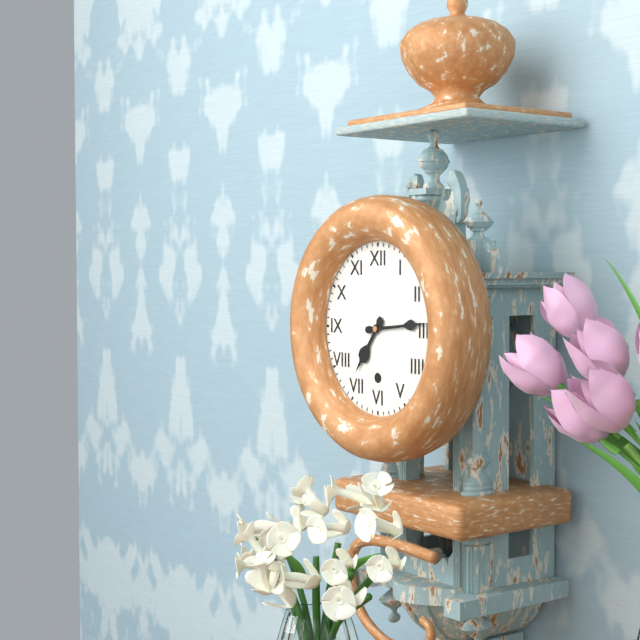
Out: **7:14**
